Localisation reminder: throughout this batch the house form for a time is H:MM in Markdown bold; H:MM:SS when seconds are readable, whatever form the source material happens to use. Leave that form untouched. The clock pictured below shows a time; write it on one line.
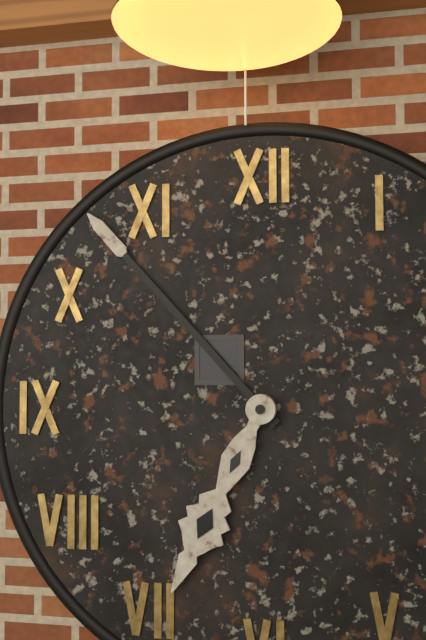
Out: **6:53**
